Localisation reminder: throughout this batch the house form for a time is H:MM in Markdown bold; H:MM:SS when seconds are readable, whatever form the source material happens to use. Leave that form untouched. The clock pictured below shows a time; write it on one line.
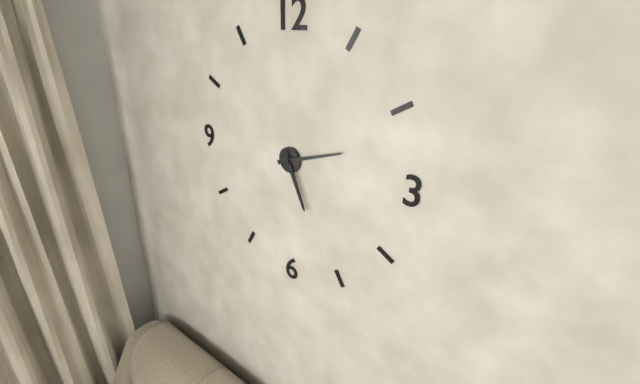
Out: **5:12**
